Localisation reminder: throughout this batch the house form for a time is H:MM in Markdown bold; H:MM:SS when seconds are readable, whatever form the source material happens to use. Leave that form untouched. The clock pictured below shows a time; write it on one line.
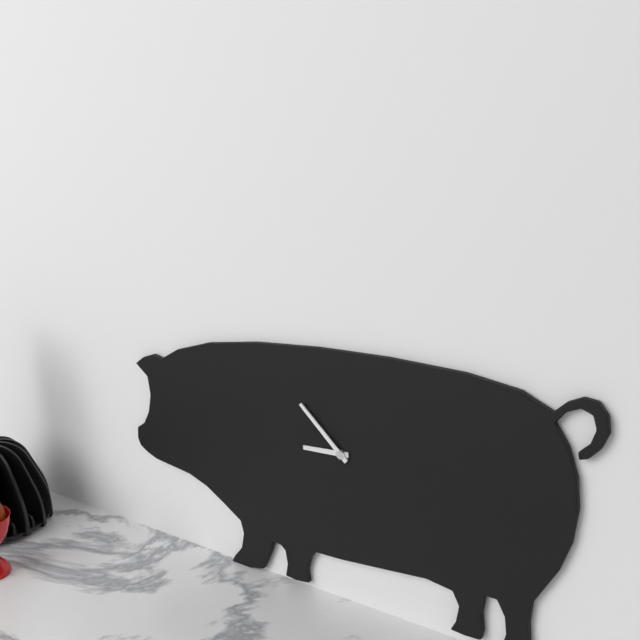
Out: **8:52**
